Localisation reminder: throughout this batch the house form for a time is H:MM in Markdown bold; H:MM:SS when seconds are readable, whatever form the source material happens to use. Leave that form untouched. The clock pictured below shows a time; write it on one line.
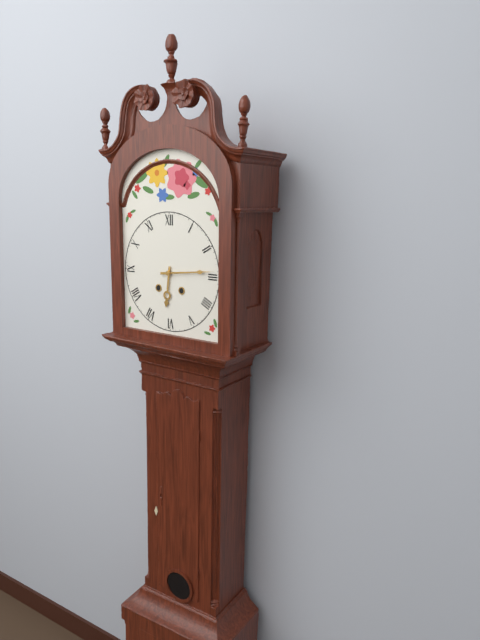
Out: **6:14**
